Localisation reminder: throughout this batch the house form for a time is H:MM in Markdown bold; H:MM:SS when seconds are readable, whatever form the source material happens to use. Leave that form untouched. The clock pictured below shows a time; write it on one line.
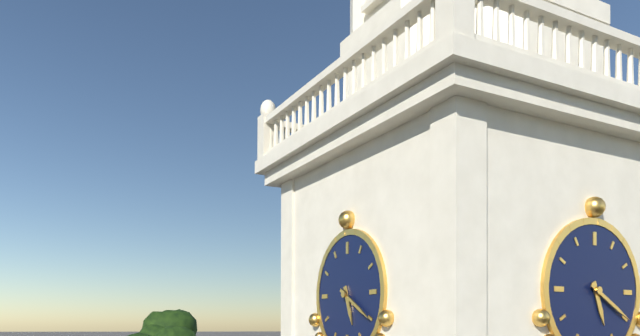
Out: **5:20**
